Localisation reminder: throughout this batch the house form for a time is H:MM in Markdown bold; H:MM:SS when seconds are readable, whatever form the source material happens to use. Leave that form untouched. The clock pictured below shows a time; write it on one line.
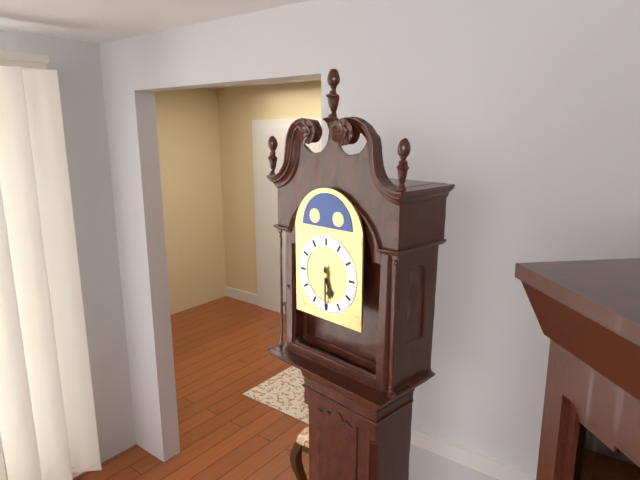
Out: **5:30**
